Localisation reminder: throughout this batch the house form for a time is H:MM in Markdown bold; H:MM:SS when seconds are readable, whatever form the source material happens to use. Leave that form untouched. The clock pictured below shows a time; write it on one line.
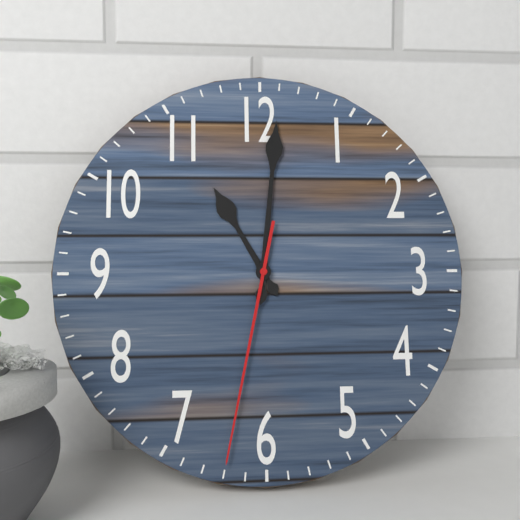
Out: **11:01:32**
